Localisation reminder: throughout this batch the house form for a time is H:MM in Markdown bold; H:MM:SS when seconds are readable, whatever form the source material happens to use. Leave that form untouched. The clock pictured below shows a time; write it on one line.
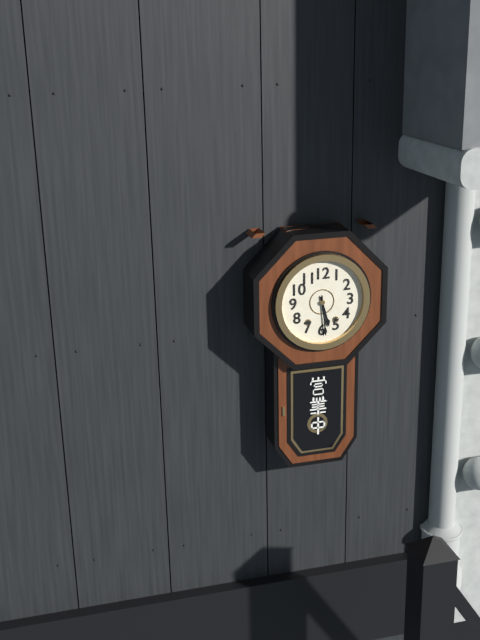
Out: **5:29**
